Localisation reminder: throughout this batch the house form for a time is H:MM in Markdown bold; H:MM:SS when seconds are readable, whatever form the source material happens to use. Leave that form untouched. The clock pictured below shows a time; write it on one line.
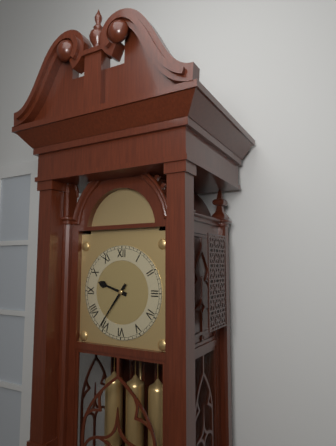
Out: **9:36**
